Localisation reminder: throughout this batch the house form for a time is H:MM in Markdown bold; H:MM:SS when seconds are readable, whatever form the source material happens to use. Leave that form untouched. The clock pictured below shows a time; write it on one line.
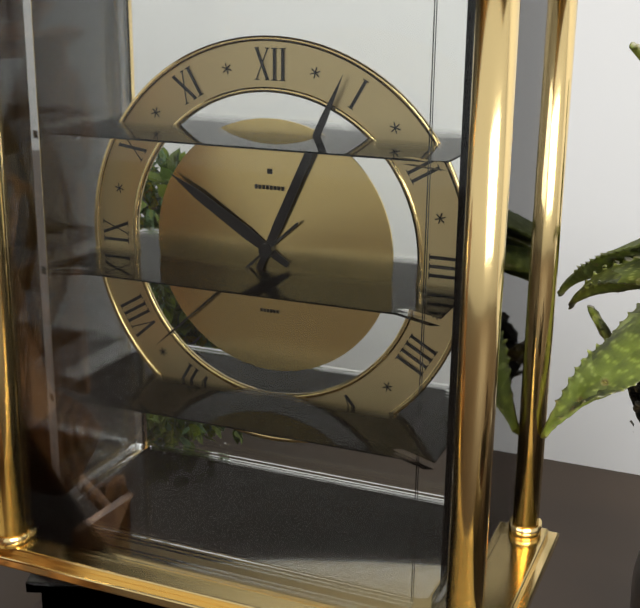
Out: **10:04:38**
